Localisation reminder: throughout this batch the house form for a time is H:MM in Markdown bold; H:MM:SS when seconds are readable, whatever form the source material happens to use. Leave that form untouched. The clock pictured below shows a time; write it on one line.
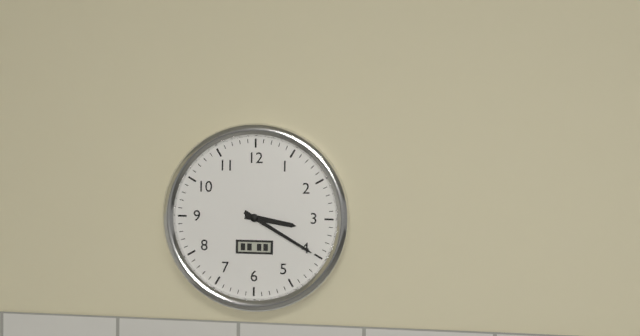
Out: **3:20**
